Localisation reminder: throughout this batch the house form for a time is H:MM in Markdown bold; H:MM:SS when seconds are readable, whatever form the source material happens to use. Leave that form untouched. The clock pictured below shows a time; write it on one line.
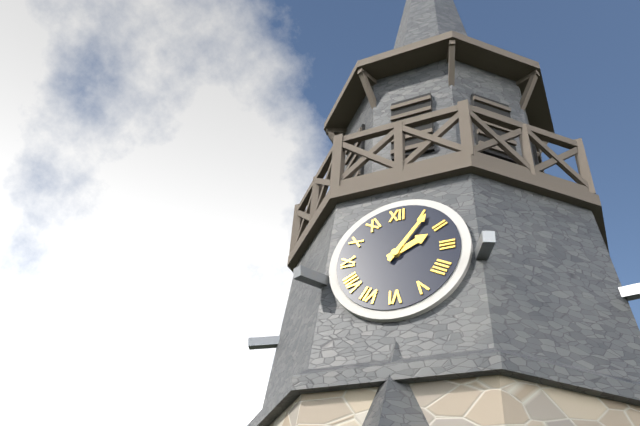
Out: **2:06**
